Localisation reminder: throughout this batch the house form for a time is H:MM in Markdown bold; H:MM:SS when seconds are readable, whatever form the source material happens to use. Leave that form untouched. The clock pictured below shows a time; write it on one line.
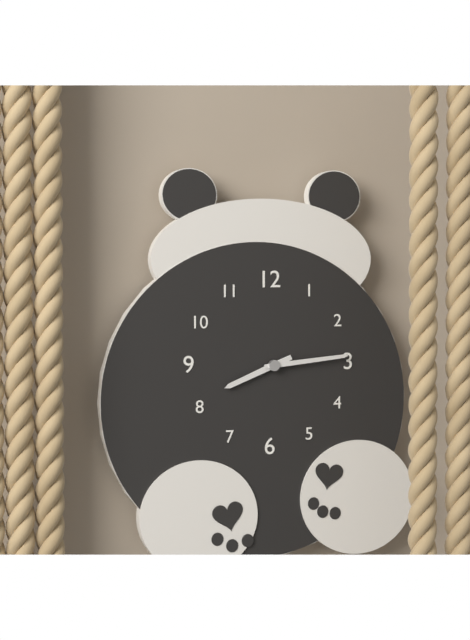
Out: **8:14**
